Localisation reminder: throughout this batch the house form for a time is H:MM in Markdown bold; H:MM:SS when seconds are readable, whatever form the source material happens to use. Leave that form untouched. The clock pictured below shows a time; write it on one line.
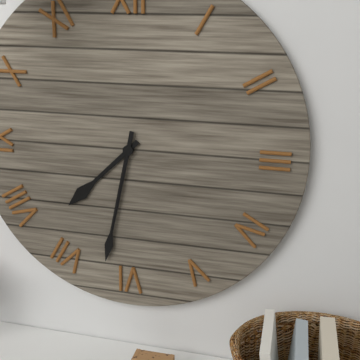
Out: **7:32**
